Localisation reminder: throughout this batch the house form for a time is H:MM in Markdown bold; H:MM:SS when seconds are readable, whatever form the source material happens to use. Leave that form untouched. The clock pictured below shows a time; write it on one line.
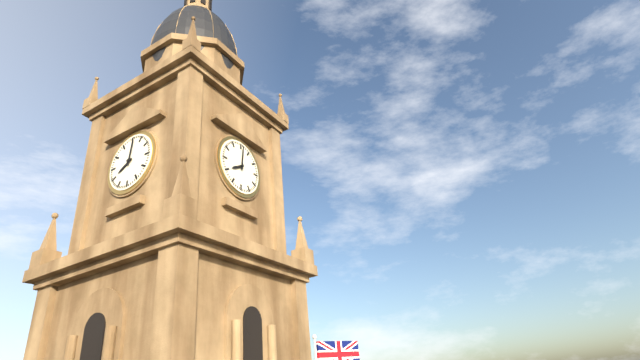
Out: **8:01**
